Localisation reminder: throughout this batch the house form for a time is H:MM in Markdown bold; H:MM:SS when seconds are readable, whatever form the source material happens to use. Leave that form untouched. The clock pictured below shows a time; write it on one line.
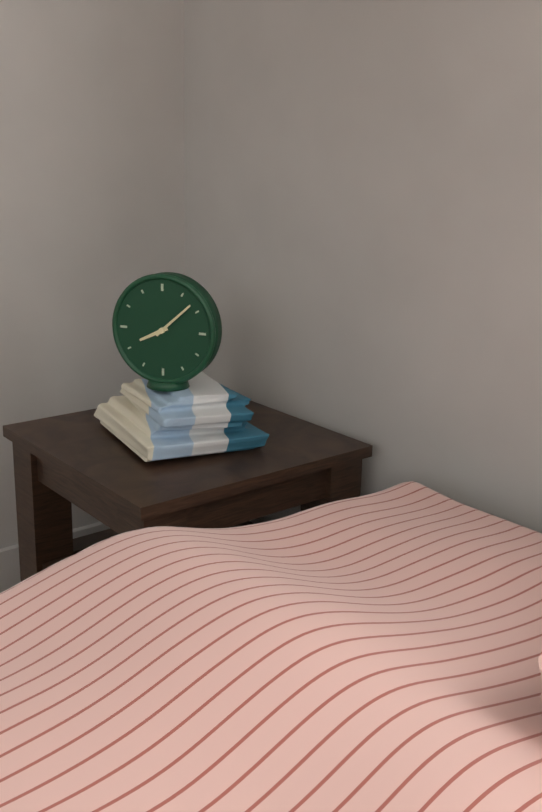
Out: **8:08**
